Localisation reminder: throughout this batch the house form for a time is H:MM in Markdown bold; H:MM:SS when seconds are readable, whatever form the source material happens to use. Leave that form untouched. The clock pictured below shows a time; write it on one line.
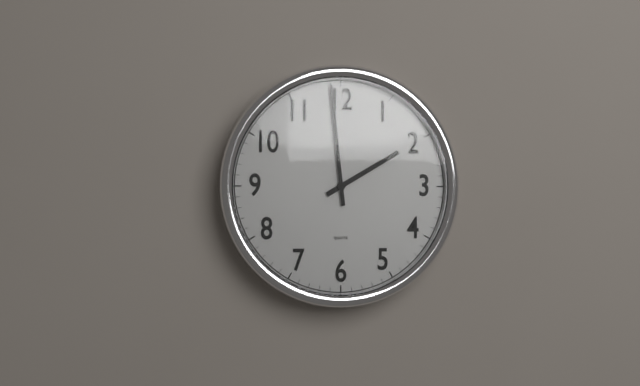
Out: **1:59**
